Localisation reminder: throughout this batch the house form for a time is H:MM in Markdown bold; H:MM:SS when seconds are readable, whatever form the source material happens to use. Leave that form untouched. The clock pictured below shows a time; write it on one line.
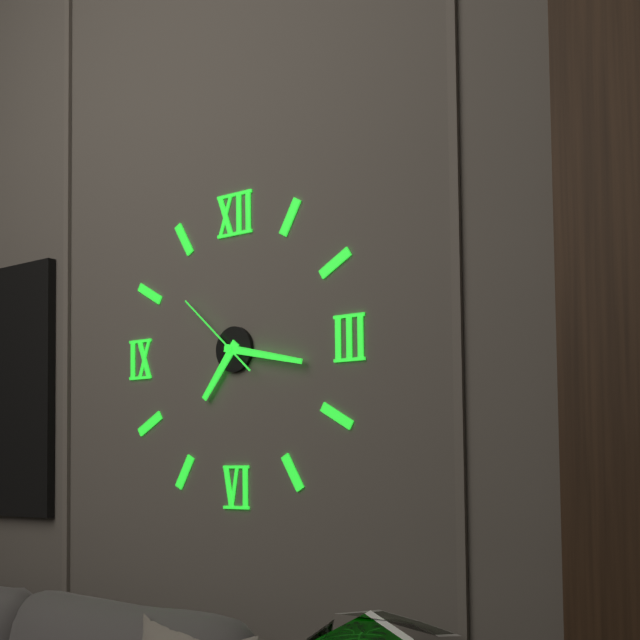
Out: **7:17:52**
